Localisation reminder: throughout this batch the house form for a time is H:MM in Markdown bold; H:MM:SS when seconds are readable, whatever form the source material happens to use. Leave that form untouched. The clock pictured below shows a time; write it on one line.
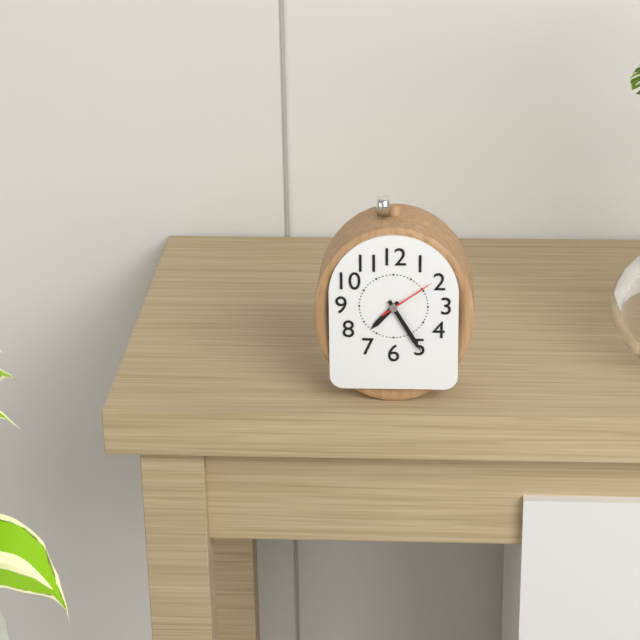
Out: **7:25:09**
